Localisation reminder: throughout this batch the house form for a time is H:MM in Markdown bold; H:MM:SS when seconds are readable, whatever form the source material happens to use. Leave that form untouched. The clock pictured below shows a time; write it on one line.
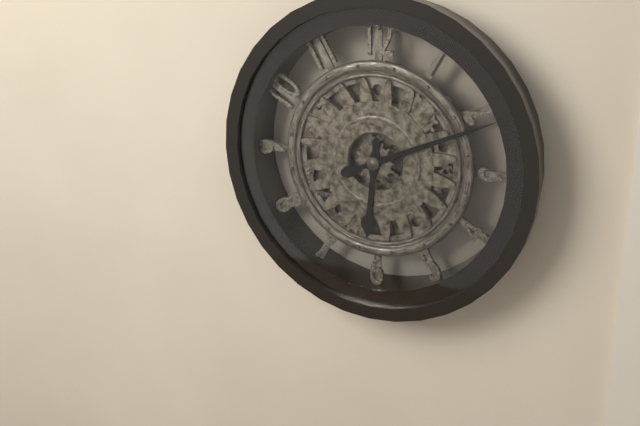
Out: **6:11**
